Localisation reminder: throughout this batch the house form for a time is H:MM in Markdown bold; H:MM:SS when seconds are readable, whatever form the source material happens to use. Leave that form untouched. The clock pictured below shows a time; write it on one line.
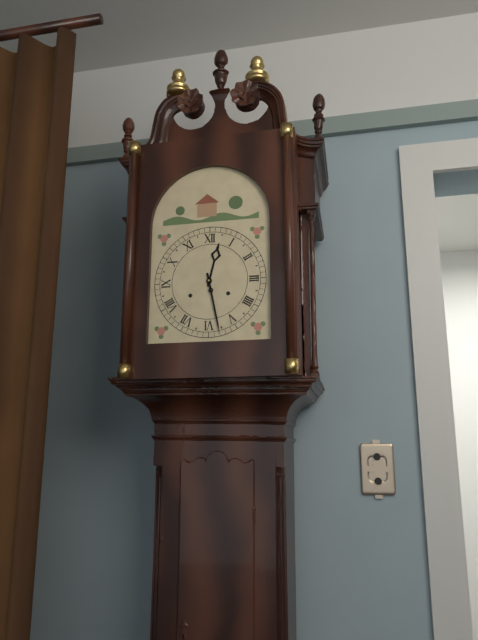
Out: **12:28**
